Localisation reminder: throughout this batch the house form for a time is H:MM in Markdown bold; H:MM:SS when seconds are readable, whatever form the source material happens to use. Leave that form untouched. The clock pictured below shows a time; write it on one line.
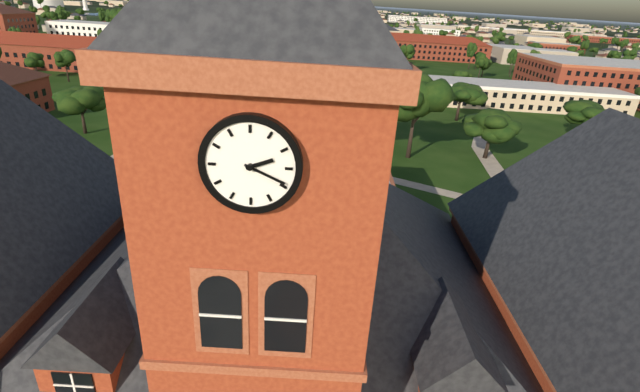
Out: **2:19**
